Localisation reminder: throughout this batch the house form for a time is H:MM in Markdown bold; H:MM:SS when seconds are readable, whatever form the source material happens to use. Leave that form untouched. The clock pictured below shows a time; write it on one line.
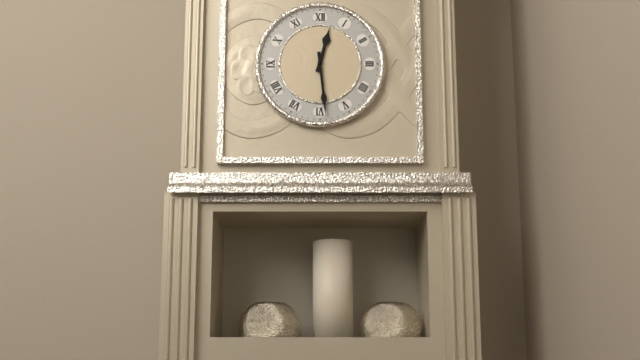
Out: **12:29**
